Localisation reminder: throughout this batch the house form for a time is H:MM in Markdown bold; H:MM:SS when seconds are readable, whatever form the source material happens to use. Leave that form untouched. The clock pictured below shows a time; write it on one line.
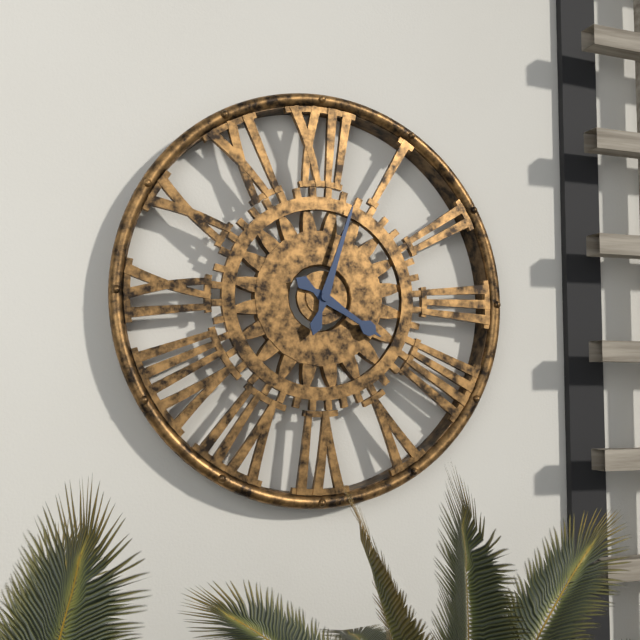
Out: **4:03**
